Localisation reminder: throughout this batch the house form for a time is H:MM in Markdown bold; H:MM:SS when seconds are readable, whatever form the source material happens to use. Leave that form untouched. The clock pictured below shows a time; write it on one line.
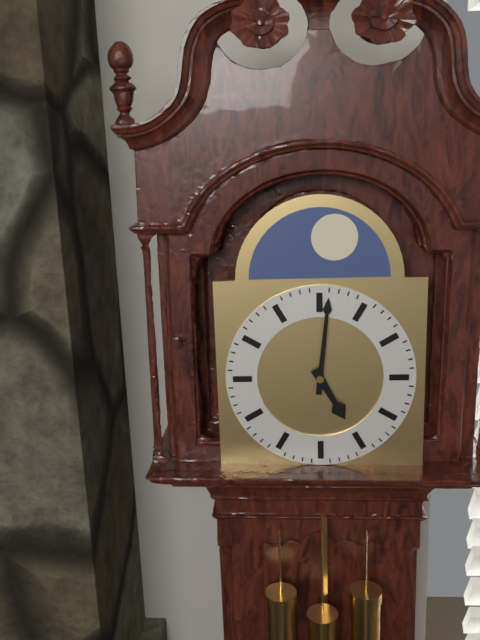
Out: **5:01**
